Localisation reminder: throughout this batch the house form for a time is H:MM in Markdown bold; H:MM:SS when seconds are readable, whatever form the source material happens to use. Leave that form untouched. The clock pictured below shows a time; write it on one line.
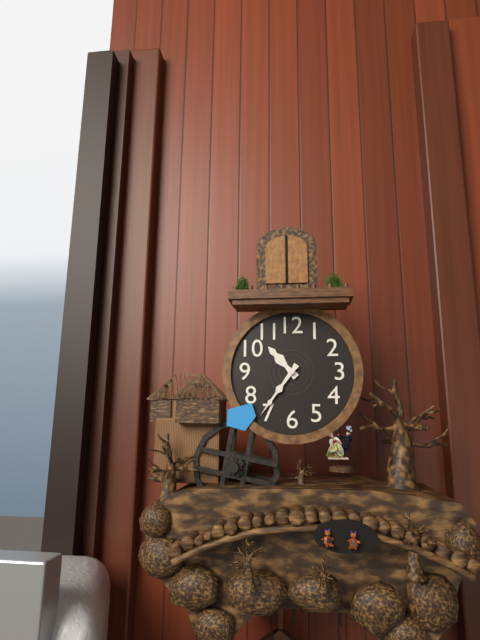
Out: **10:36**
